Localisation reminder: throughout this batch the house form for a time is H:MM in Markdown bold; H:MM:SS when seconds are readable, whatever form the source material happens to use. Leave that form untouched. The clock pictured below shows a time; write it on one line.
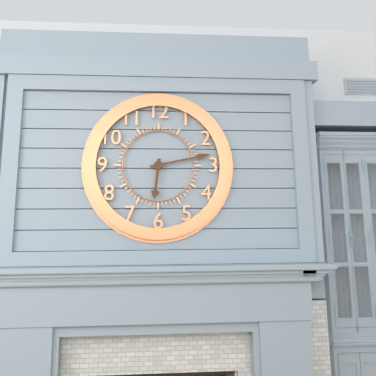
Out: **6:13**
